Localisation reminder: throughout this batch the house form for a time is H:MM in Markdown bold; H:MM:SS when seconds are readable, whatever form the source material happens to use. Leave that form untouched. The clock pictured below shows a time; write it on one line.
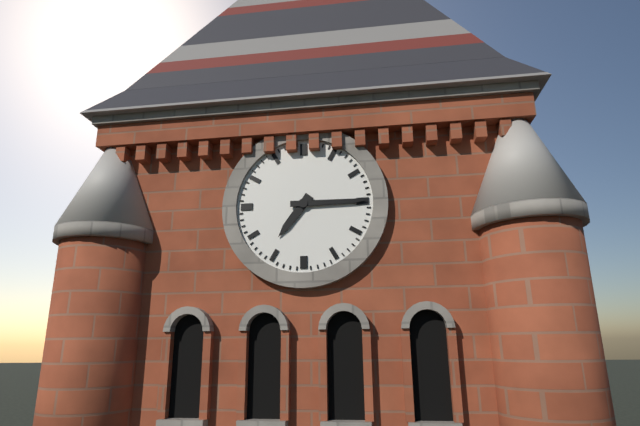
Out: **7:15**
